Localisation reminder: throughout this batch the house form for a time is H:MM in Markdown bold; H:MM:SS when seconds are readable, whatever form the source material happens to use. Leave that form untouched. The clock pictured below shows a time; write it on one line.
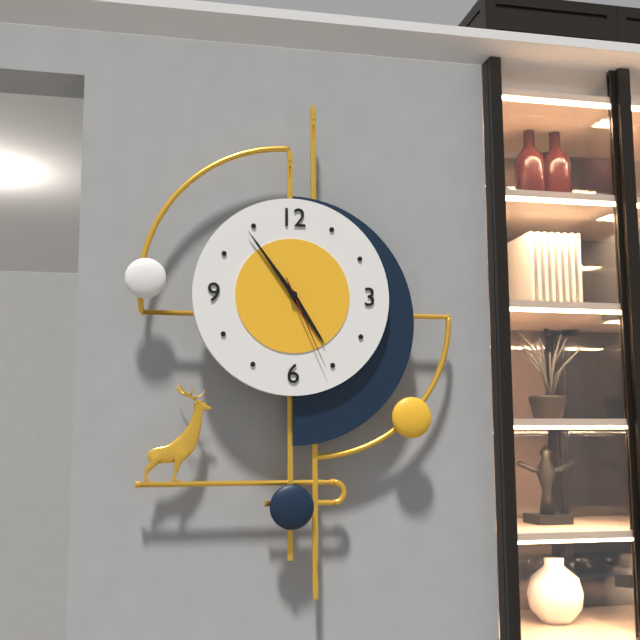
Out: **4:54:26**
